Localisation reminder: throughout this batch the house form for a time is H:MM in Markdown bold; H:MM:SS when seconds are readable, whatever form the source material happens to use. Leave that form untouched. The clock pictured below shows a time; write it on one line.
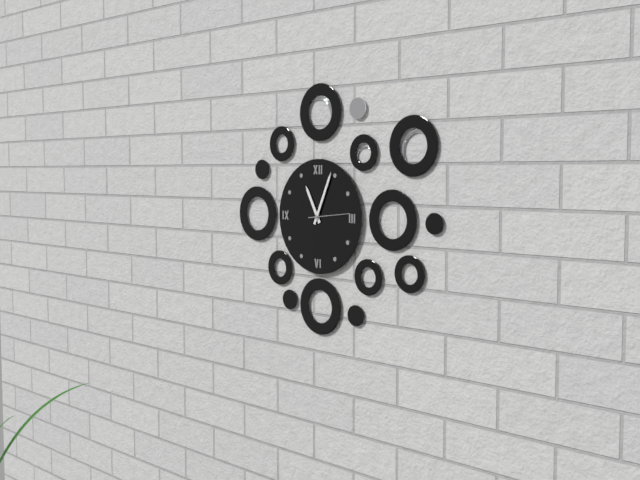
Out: **11:04**
